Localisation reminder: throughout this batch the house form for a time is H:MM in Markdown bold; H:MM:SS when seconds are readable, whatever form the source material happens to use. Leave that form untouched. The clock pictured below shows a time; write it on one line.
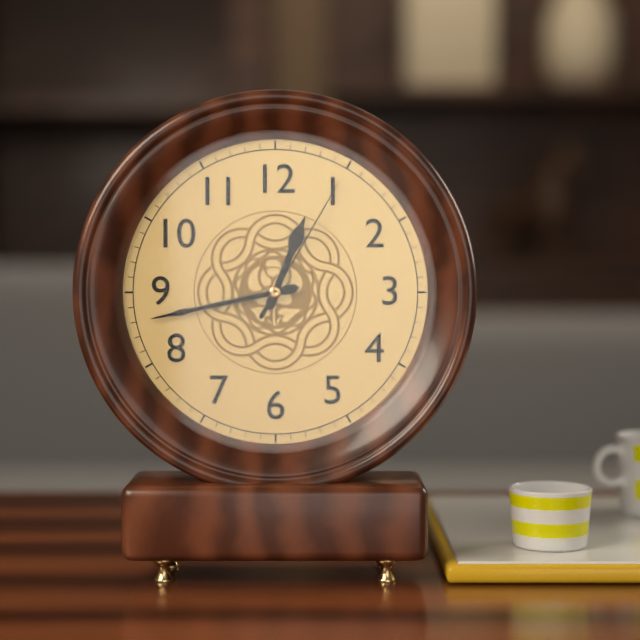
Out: **12:43:05**
